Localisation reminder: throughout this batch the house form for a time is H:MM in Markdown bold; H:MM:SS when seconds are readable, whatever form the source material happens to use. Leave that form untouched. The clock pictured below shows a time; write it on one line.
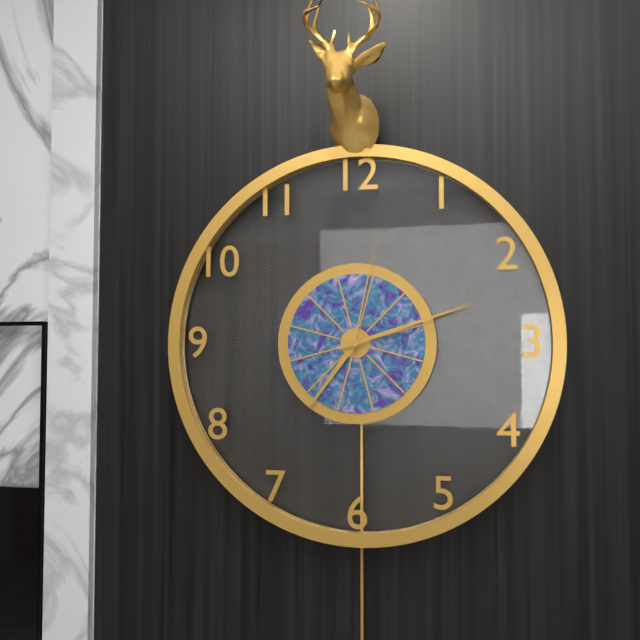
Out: **7:12:02**
